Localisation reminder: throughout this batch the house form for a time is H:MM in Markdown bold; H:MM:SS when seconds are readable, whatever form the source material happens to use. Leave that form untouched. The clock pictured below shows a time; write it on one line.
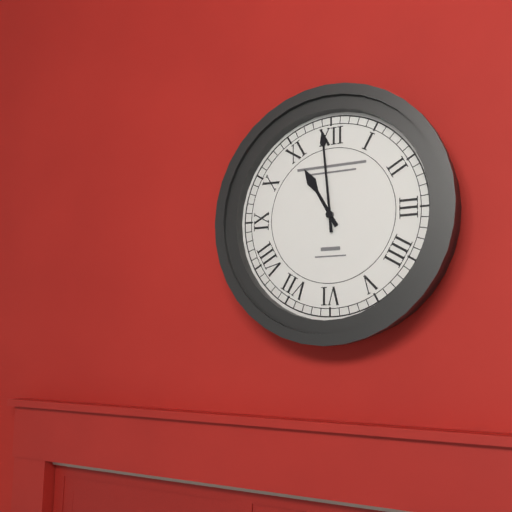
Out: **10:59**
